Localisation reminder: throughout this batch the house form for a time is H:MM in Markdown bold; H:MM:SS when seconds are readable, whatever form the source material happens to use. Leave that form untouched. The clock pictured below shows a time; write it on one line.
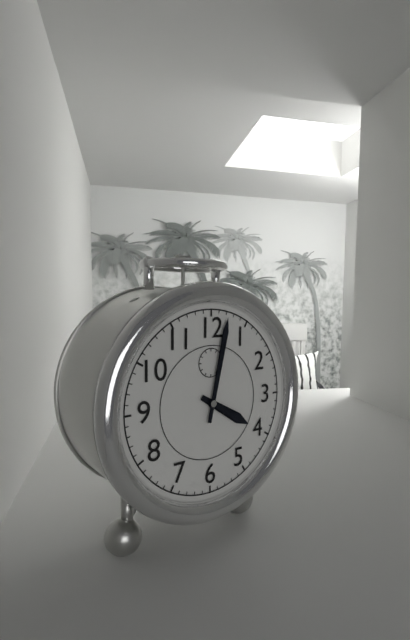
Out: **4:02**
